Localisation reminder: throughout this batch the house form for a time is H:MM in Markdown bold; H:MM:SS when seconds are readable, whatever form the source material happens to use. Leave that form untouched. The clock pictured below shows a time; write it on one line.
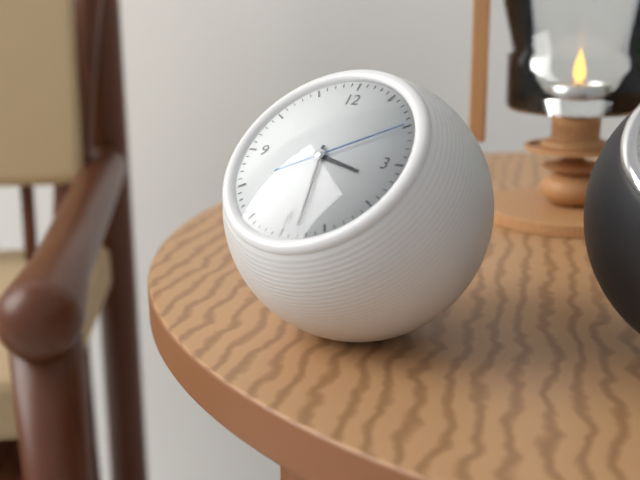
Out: **3:28:10**
